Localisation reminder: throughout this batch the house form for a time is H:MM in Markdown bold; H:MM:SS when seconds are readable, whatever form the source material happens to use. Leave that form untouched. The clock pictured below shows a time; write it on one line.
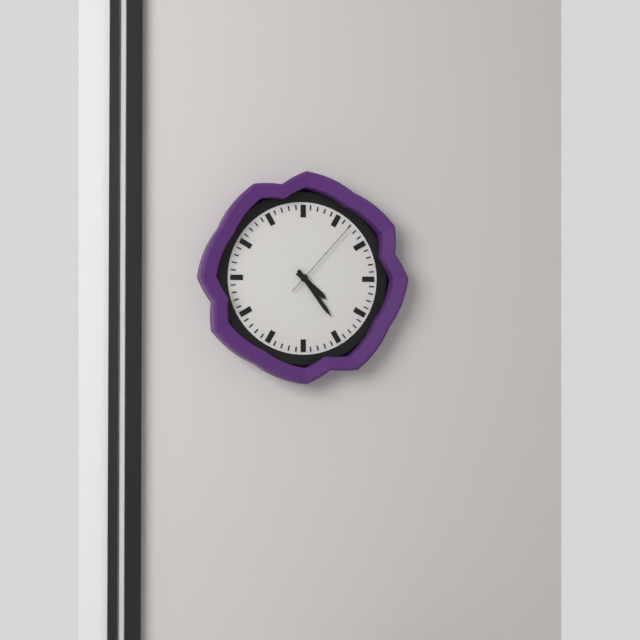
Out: **4:24:07**
